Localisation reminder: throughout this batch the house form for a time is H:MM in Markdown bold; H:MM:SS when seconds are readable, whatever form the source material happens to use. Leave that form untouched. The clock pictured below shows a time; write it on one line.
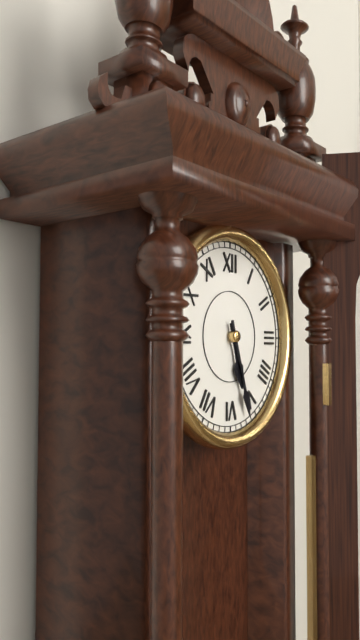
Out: **5:27**
